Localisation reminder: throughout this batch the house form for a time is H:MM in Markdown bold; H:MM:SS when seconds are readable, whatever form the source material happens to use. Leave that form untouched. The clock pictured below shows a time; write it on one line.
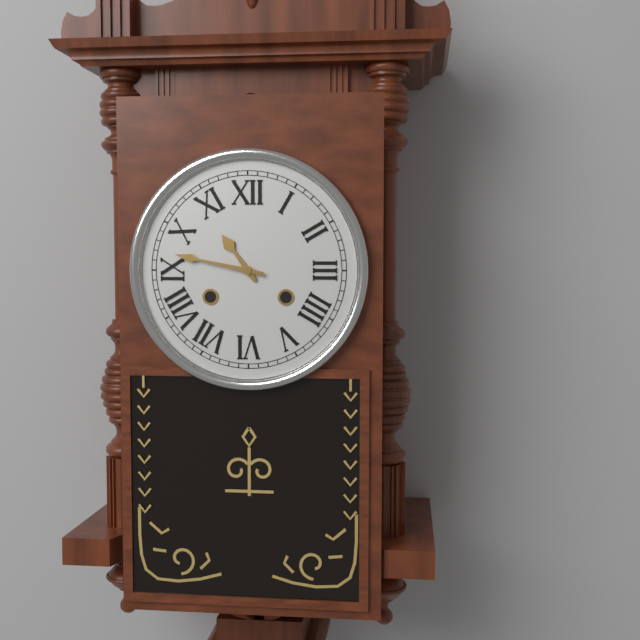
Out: **10:47**
